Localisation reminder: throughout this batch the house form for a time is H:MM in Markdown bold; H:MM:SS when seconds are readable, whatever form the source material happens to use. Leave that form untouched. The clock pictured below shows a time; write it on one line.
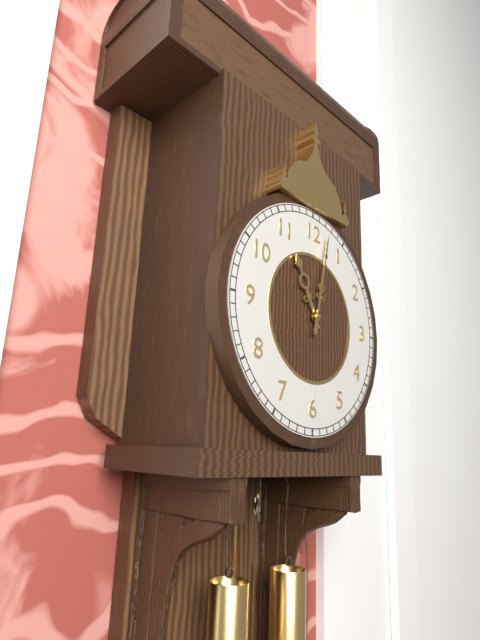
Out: **11:02**
